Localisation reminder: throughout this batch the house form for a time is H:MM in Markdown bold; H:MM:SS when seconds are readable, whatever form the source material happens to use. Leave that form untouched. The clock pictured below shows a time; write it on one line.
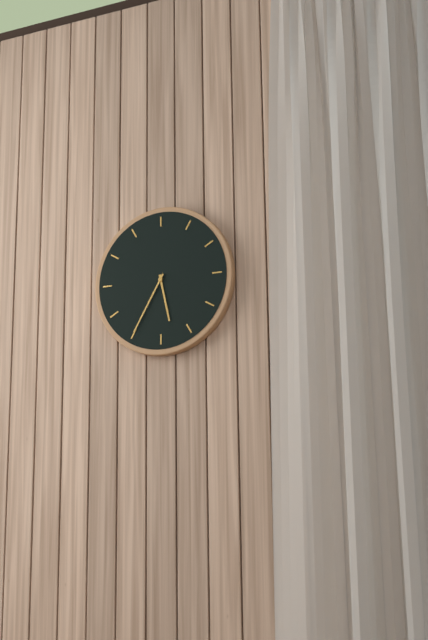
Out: **5:35**
